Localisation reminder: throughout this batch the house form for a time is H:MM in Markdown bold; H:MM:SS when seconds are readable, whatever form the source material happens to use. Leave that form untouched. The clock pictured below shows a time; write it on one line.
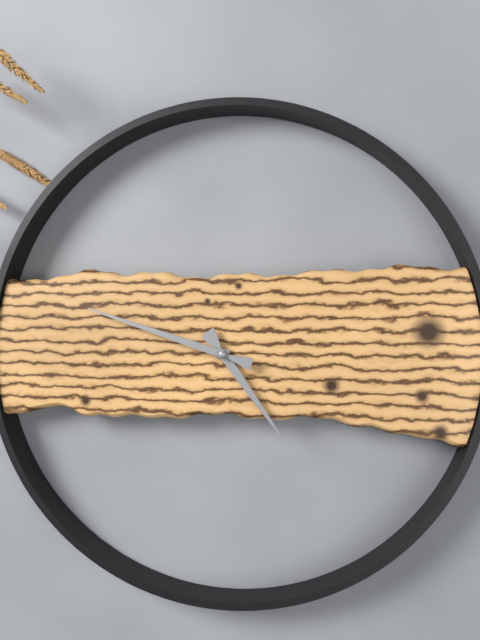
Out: **4:48**
